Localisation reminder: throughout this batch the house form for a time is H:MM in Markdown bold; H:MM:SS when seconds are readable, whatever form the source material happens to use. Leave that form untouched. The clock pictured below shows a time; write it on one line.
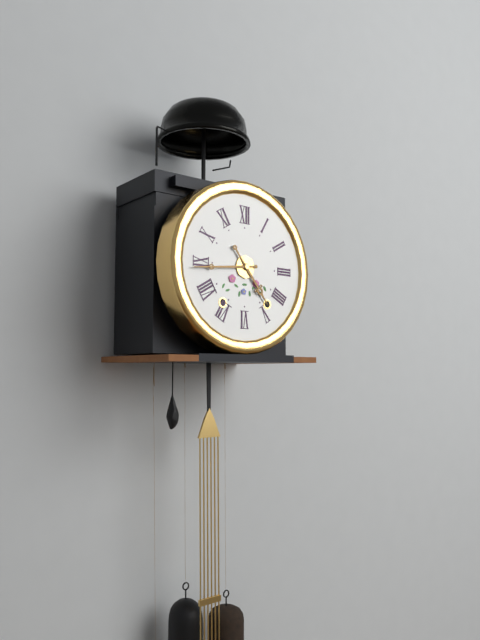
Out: **4:44**
